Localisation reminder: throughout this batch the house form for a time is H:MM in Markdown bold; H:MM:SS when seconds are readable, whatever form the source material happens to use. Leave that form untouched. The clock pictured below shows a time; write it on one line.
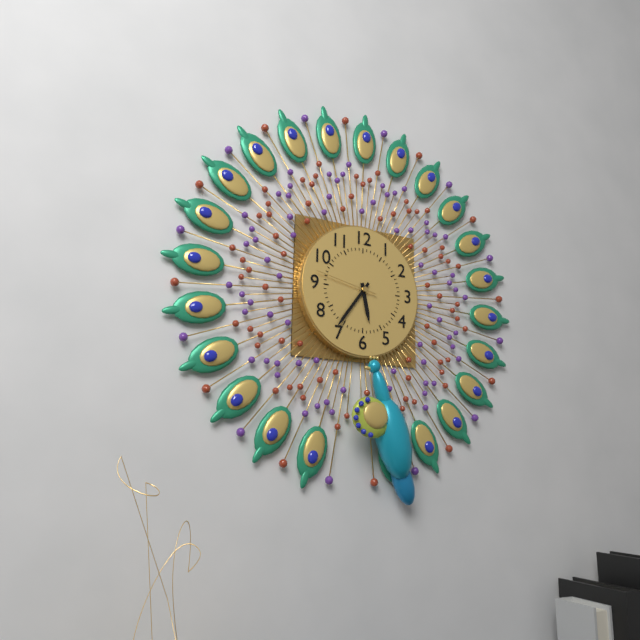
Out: **5:36:47**
